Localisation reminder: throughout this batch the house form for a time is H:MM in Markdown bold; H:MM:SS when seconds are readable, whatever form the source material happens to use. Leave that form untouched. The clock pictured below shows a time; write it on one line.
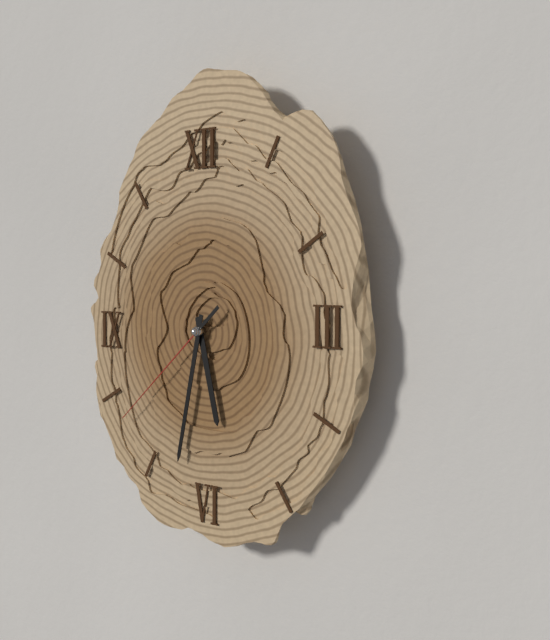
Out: **5:32:38**
